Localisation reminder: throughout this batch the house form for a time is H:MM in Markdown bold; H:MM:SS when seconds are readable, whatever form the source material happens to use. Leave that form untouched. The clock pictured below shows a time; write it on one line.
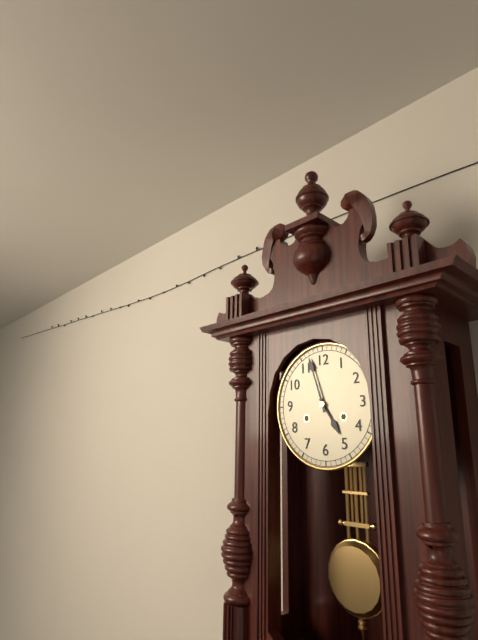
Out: **4:57**
